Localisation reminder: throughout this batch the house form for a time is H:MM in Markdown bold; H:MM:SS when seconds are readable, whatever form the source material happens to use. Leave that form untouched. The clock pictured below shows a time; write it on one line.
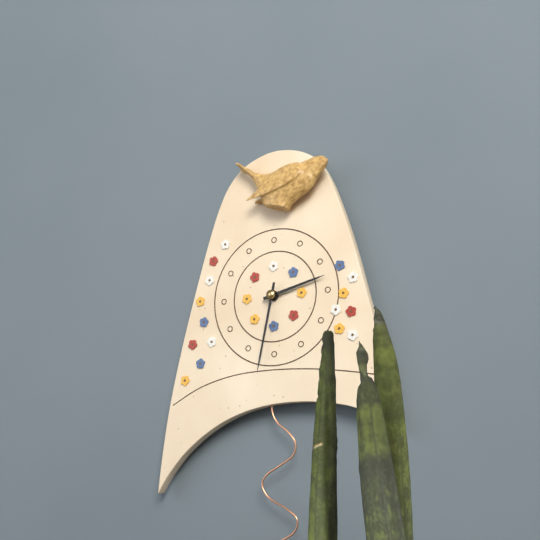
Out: **2:32**
